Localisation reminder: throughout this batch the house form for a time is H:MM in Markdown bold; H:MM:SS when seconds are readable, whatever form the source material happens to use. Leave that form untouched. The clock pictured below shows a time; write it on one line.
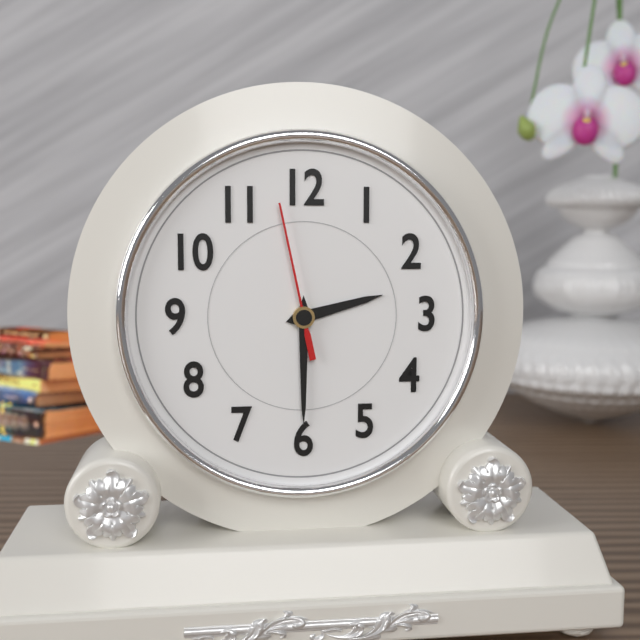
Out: **2:30:58**
